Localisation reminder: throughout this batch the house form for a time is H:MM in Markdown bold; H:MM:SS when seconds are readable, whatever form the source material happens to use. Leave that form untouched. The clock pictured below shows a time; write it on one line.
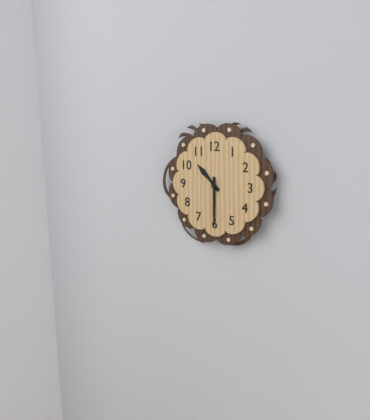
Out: **10:30**
